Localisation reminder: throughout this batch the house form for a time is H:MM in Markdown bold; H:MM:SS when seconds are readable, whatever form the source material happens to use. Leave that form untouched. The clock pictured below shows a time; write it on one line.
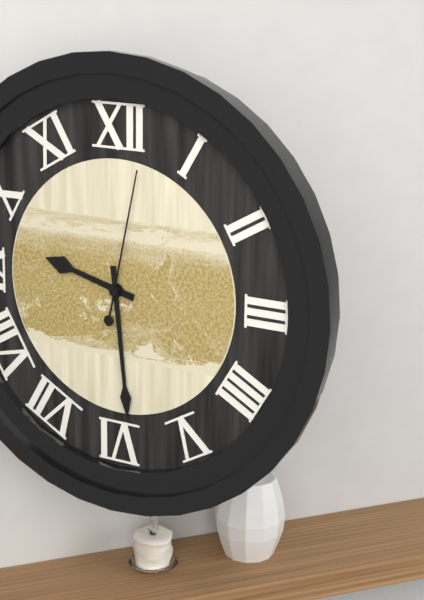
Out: **9:29:02**
